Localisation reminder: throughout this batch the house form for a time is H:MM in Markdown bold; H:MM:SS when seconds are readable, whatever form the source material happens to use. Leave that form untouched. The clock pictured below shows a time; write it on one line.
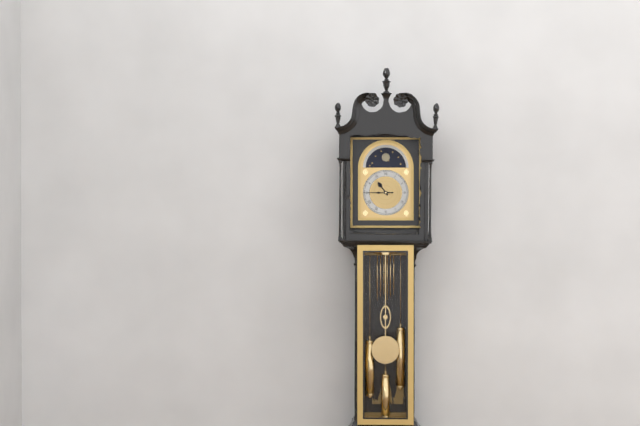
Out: **10:45**
